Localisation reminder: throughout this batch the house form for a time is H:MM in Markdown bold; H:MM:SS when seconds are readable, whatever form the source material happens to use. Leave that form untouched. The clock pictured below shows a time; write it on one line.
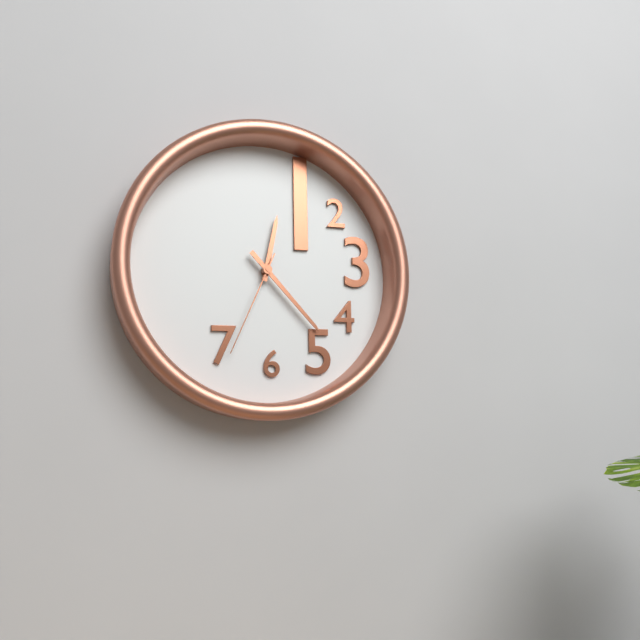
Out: **12:23:34**
